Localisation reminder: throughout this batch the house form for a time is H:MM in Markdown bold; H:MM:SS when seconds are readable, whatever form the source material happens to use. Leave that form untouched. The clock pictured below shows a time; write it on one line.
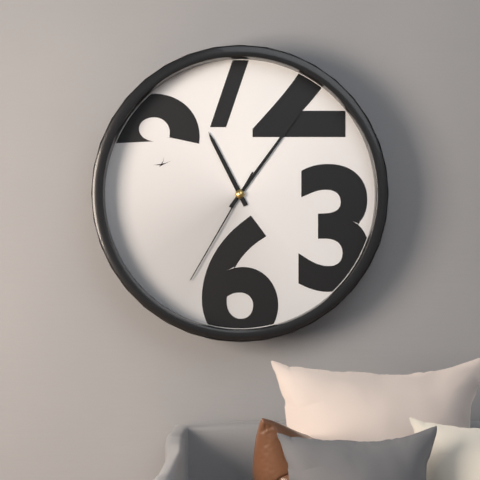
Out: **11:06:35**
